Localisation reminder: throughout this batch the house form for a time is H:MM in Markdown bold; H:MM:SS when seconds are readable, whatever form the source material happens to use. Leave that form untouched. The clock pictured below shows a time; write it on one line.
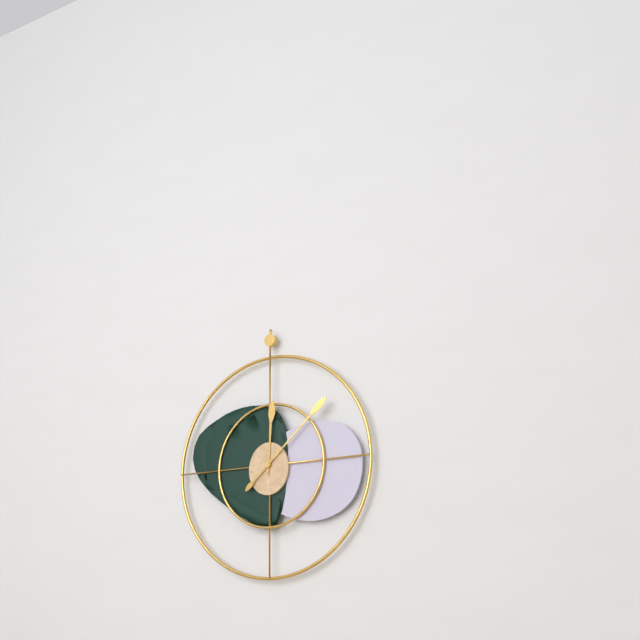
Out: **12:08**
